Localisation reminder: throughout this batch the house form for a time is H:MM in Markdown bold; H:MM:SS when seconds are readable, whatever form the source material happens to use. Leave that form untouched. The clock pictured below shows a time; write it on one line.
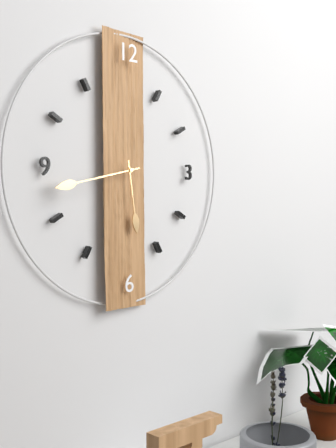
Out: **5:43**
